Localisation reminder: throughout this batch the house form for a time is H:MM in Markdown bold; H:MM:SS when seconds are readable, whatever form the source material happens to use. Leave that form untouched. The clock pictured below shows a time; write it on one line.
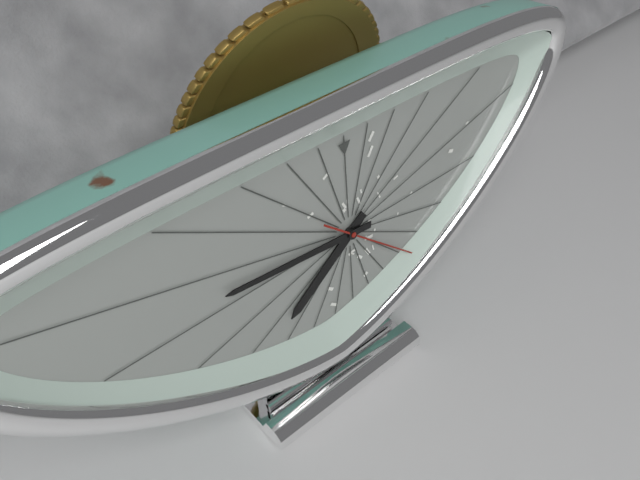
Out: **7:46:22**
